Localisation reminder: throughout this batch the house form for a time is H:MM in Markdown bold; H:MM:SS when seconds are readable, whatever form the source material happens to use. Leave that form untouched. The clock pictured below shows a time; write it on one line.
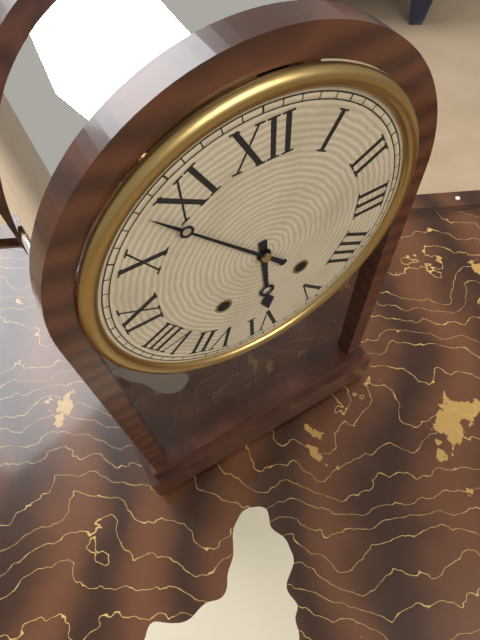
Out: **5:53**
